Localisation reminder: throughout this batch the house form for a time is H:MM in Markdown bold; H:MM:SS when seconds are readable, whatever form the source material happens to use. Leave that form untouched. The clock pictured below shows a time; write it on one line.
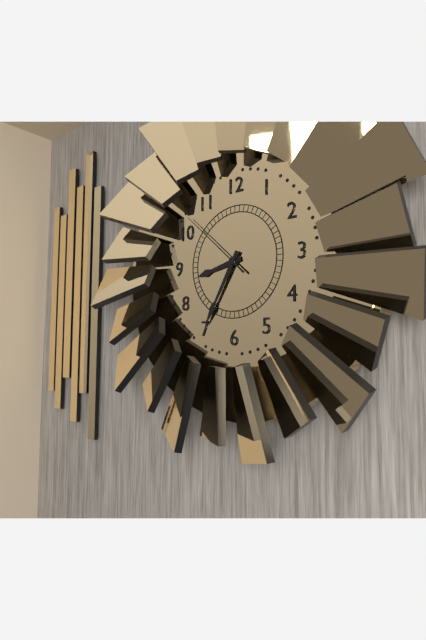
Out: **8:35:52**
